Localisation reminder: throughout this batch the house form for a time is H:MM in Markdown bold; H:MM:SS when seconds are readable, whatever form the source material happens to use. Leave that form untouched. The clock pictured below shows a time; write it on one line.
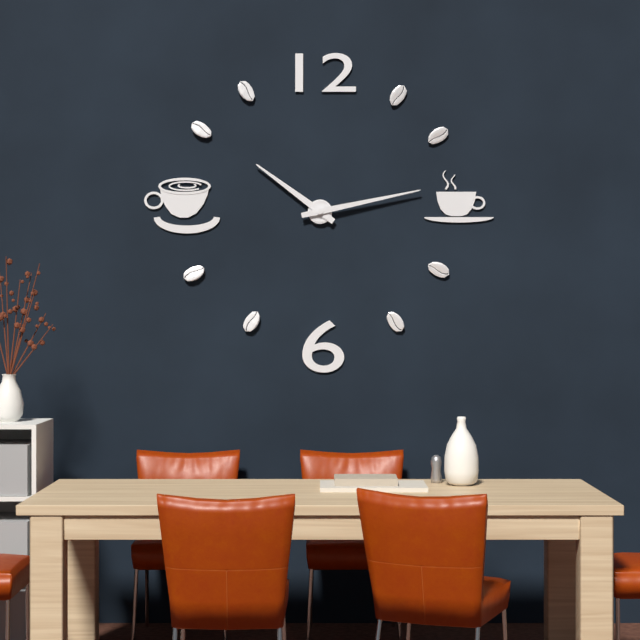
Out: **10:13**
